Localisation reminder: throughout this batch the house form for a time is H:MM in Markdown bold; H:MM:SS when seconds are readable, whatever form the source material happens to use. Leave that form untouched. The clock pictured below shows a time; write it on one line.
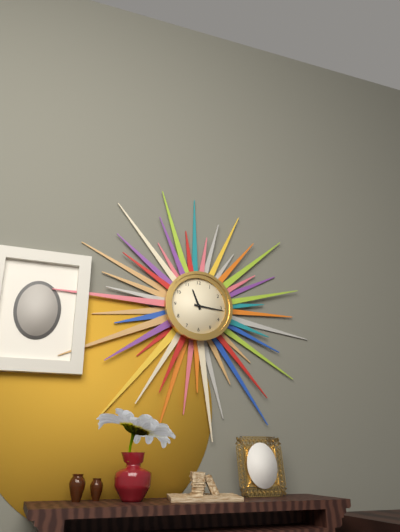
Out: **11:16**
